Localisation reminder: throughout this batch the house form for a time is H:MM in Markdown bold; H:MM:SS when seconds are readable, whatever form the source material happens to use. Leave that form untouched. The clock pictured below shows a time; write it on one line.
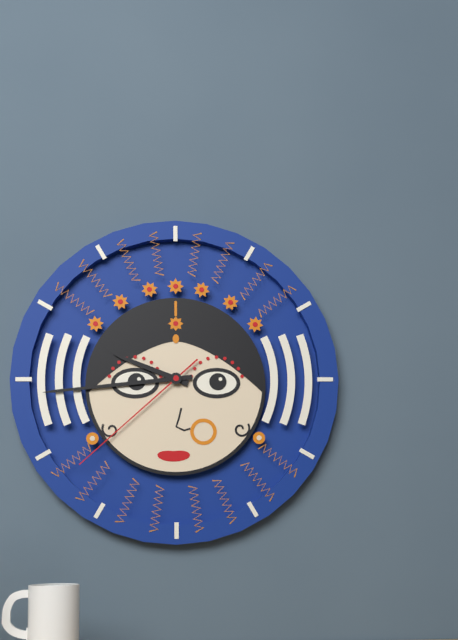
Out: **9:44:38**
